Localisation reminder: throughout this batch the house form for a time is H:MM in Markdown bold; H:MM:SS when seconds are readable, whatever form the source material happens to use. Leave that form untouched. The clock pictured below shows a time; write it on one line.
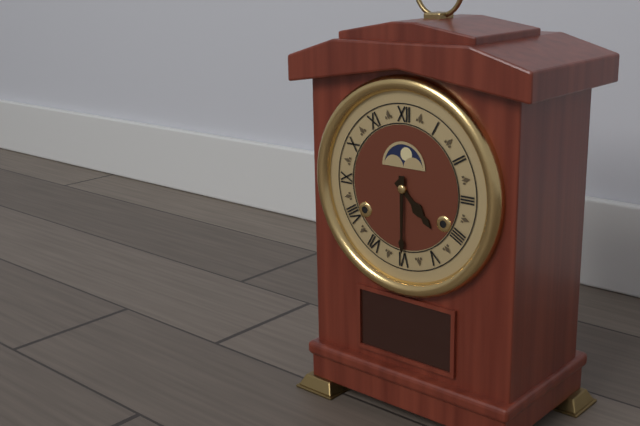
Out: **4:30**
